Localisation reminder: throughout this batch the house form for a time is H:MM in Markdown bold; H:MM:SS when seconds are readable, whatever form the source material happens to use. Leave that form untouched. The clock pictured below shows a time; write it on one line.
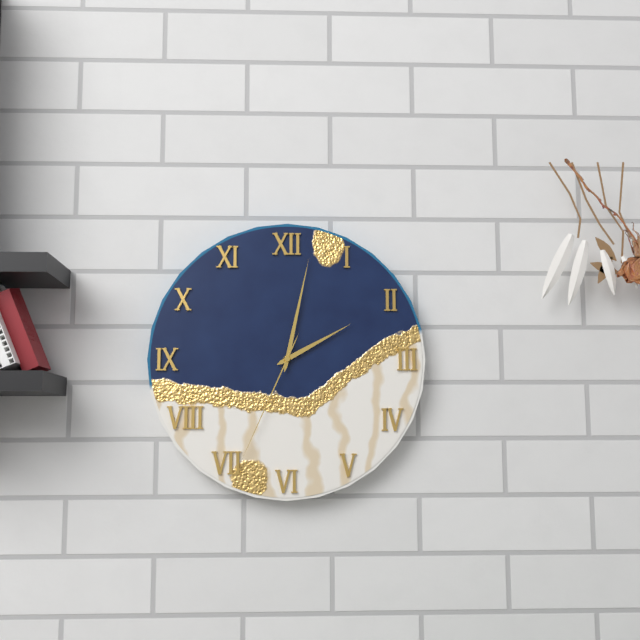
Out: **2:02:34**
